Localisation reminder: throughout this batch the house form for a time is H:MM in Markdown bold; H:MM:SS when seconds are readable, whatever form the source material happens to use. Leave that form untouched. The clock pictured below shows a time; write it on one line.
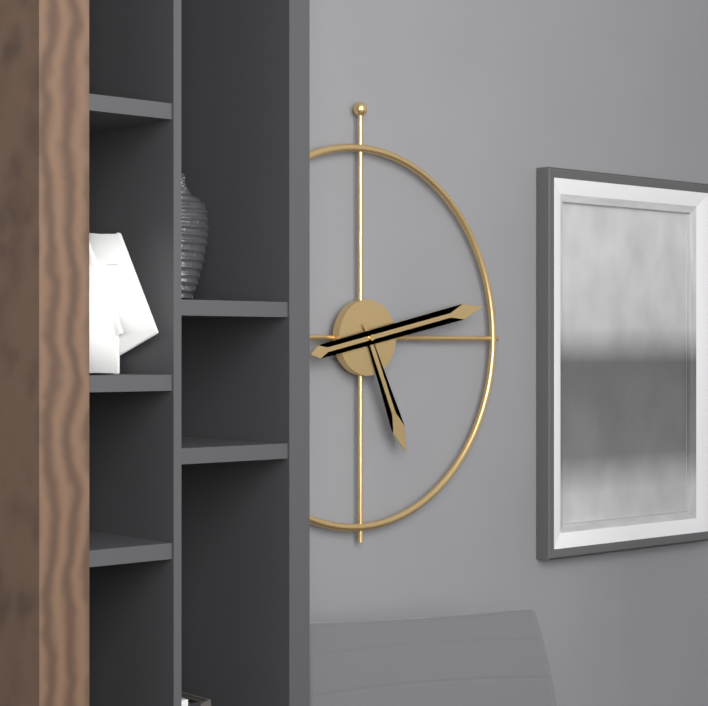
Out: **5:13**
